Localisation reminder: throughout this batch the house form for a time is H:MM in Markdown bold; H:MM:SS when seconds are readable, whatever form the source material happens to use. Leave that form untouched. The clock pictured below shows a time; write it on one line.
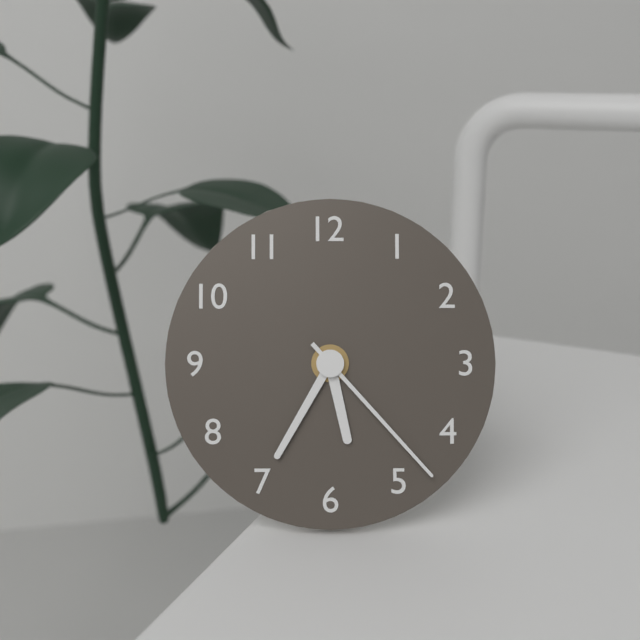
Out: **5:35:23**
